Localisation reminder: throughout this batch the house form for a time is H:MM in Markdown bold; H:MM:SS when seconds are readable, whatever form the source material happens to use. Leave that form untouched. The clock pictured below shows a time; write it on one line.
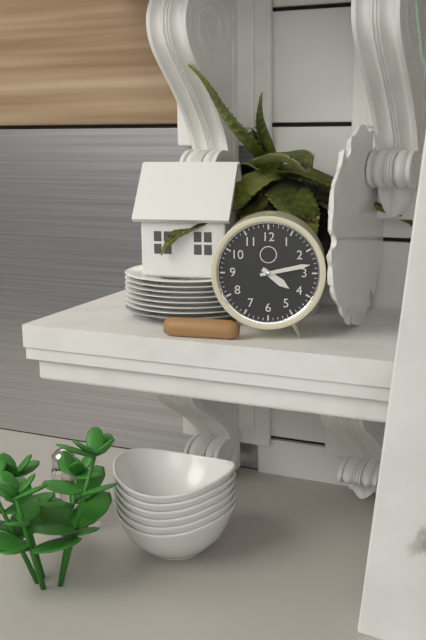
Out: **4:13**
